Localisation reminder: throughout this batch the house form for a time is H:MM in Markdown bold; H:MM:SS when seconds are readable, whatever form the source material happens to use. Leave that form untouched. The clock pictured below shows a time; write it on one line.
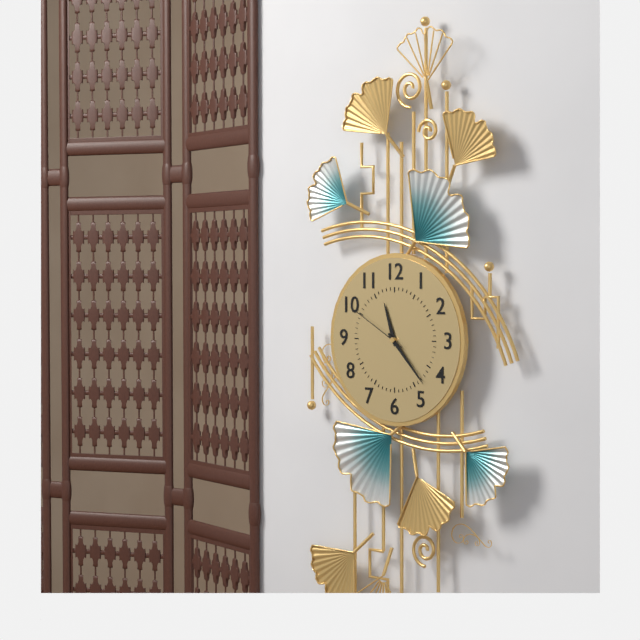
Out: **11:23:50**
